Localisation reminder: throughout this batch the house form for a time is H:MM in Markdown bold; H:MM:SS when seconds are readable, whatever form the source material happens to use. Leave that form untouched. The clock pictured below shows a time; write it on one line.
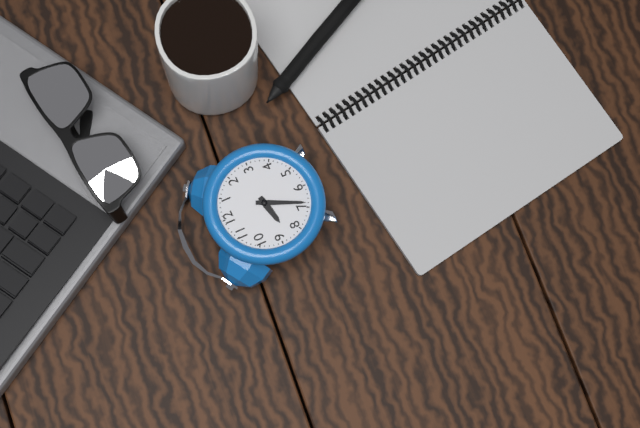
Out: **8:34**
